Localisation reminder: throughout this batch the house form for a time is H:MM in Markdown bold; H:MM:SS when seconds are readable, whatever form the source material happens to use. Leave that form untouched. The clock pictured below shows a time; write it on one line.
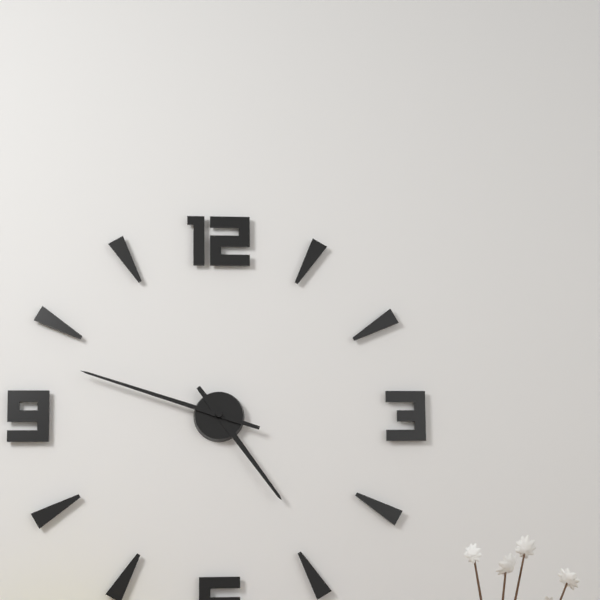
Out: **4:48**
